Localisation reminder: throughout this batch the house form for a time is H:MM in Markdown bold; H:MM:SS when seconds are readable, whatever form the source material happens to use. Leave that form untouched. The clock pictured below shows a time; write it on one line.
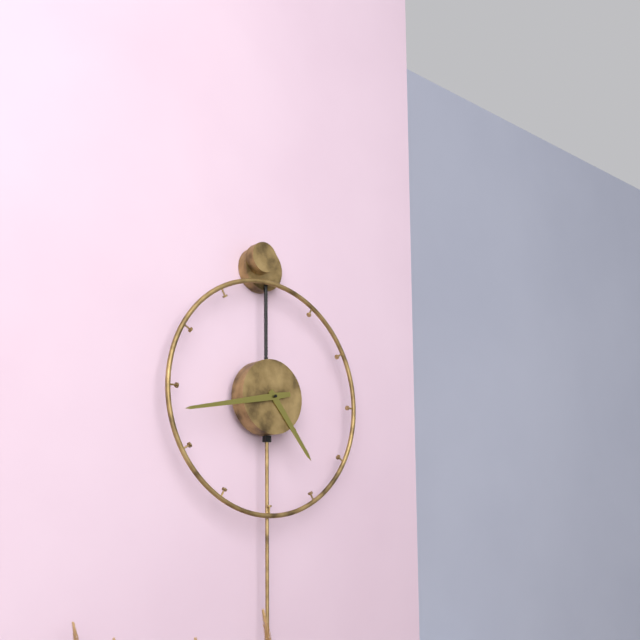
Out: **4:43**
